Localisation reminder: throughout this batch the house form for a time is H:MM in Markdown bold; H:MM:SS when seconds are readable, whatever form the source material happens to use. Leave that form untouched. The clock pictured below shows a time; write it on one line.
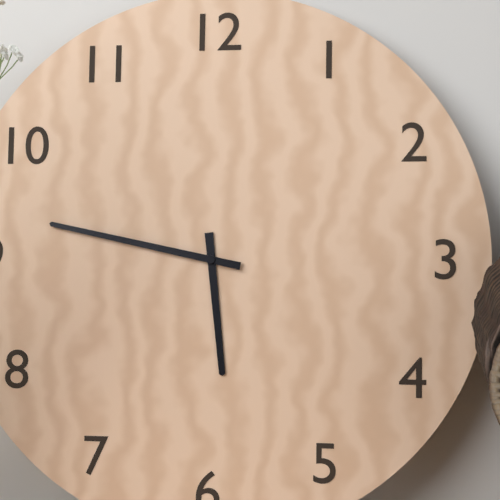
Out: **5:47**
